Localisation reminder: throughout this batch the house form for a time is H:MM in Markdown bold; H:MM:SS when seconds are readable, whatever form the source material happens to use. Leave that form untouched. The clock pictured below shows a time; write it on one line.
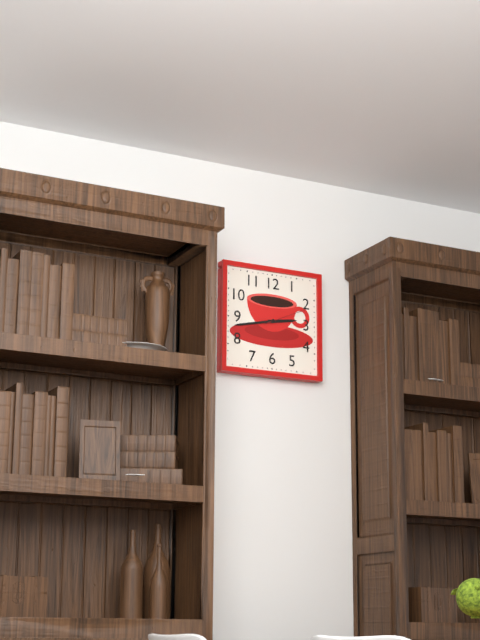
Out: **2:43**
